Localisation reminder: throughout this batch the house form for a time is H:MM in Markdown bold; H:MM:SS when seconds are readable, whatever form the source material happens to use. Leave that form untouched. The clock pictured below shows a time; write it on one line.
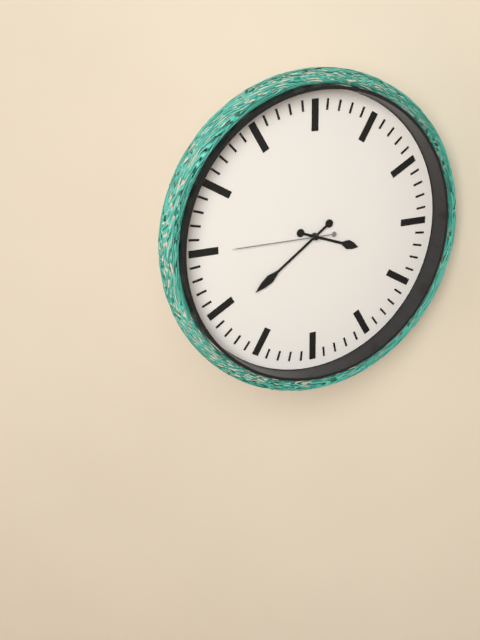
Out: **3:39:45**
